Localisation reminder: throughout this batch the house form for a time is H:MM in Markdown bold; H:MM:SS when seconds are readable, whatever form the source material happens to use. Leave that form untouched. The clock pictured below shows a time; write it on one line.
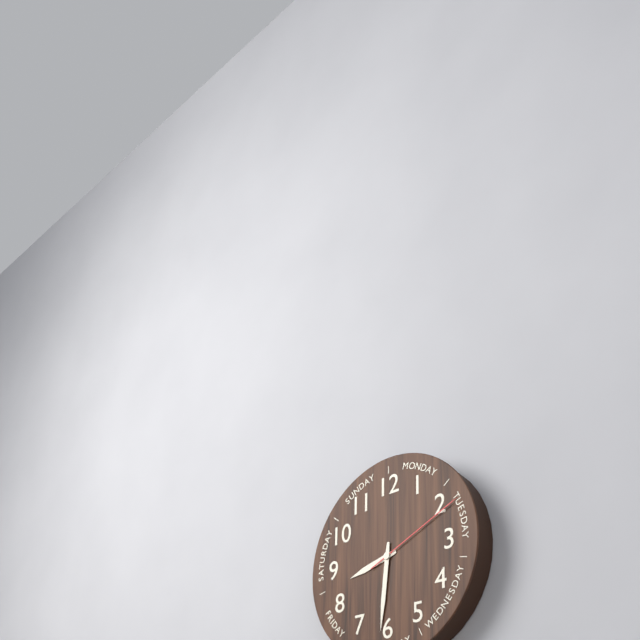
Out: **8:31:11**
